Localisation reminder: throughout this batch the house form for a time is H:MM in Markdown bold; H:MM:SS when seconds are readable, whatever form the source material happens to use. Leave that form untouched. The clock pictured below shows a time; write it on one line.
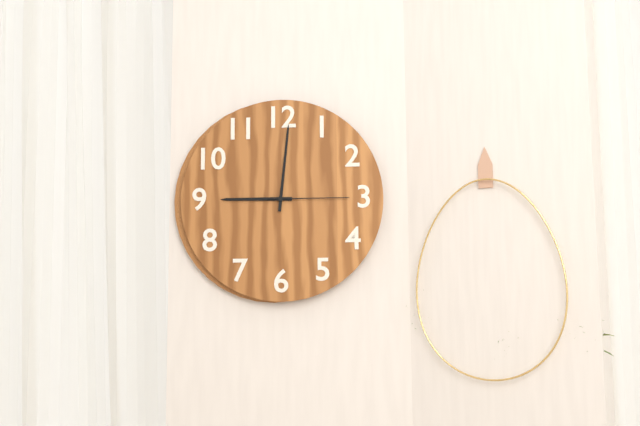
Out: **9:01:15**
